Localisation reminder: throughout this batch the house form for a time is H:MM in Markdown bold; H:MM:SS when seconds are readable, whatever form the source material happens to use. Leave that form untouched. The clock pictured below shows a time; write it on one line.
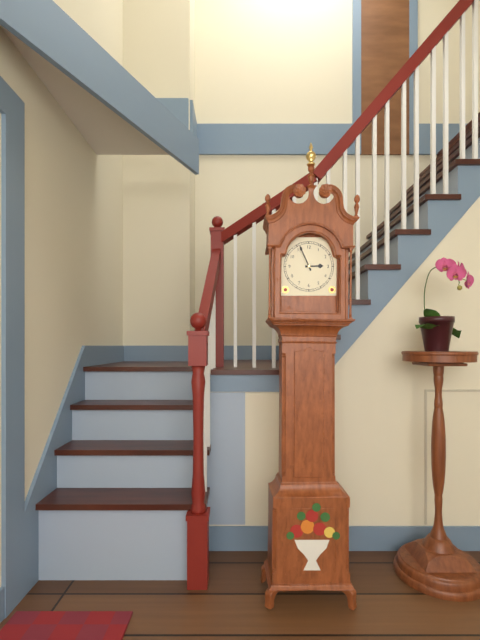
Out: **2:56**
